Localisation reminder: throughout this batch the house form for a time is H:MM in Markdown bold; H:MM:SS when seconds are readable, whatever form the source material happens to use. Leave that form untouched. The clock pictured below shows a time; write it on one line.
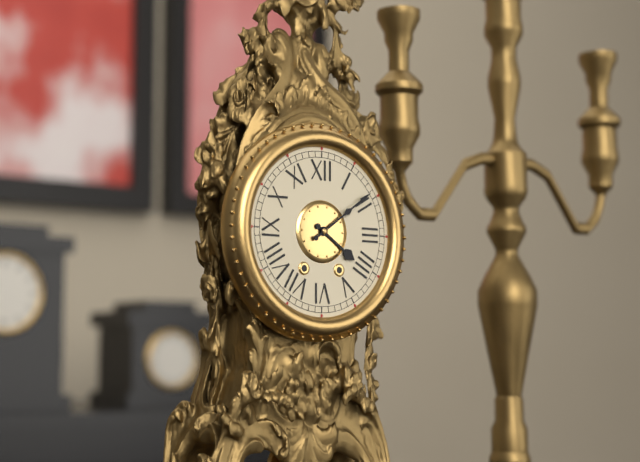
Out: **4:09**
